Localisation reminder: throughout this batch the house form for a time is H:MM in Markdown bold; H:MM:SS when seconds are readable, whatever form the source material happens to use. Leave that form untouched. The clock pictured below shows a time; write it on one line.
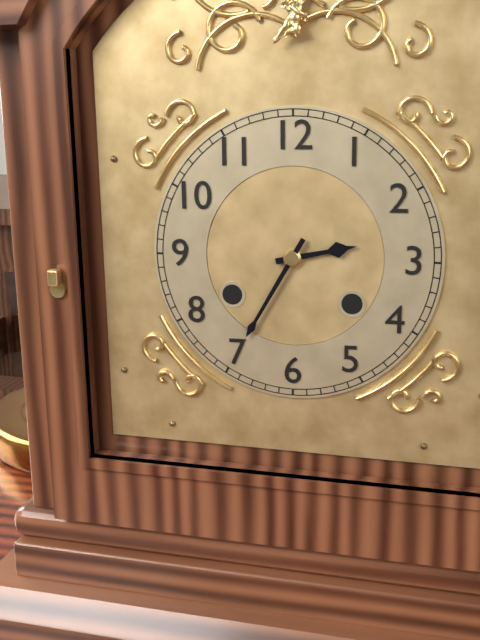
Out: **2:35**
